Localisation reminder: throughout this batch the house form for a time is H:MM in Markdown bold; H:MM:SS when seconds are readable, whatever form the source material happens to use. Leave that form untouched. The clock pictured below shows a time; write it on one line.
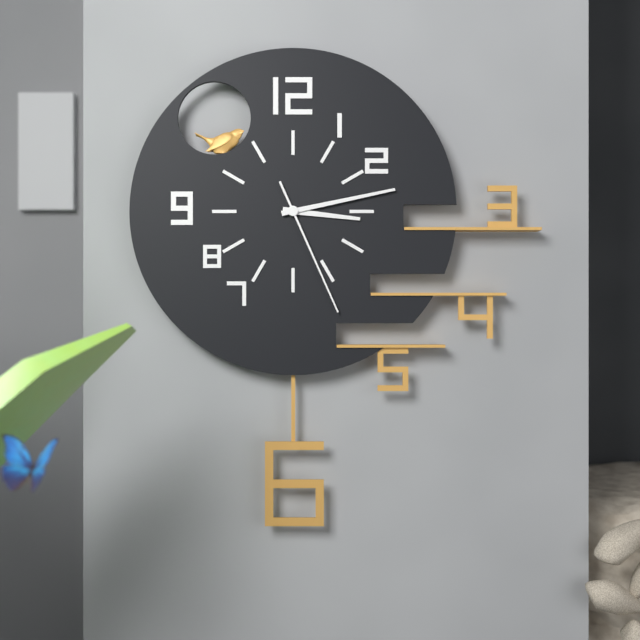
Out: **3:13:26**
